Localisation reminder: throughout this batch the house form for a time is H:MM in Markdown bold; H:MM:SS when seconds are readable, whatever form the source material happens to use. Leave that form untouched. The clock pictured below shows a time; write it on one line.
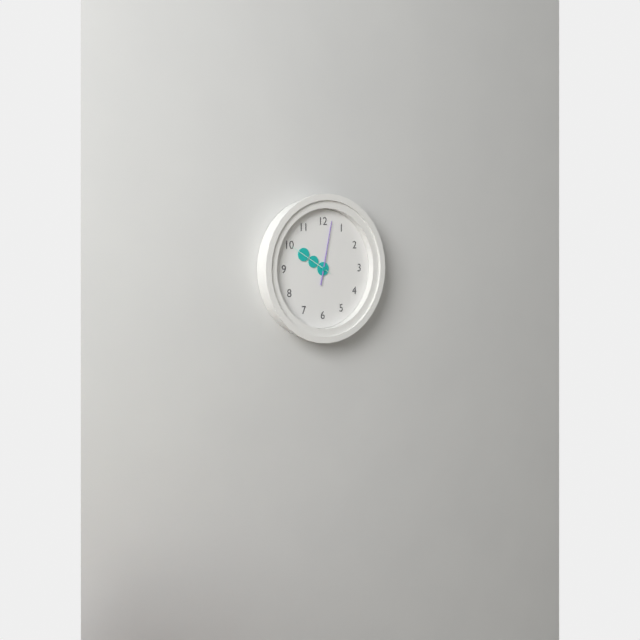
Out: **10:02**
